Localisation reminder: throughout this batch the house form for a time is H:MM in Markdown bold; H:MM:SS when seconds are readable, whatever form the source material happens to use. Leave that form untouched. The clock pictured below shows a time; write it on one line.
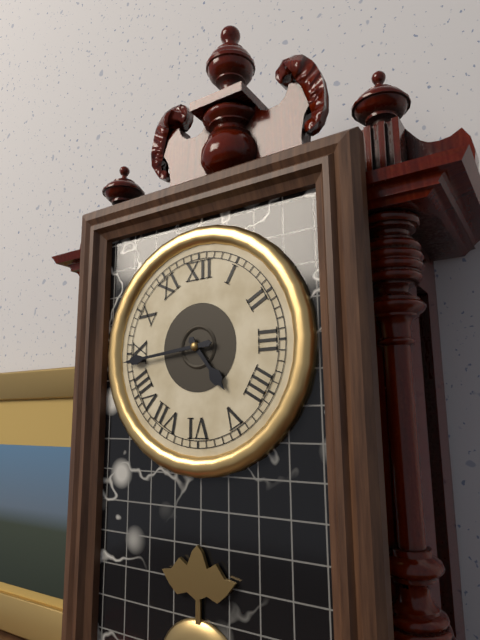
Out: **4:44**
